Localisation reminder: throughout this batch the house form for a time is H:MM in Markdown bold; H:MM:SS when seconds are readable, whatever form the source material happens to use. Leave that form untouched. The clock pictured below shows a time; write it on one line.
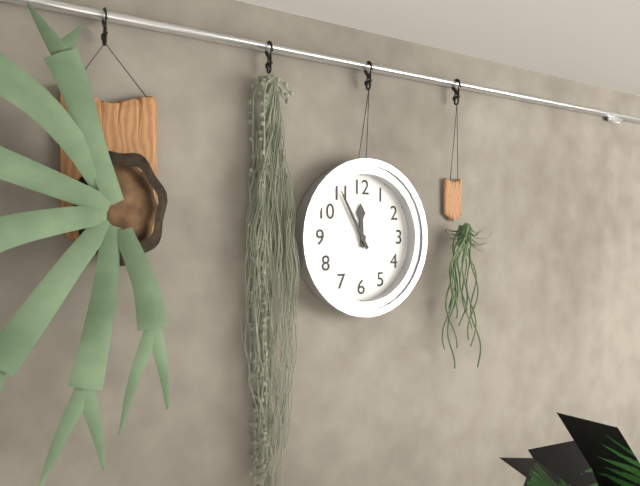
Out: **11:55**
